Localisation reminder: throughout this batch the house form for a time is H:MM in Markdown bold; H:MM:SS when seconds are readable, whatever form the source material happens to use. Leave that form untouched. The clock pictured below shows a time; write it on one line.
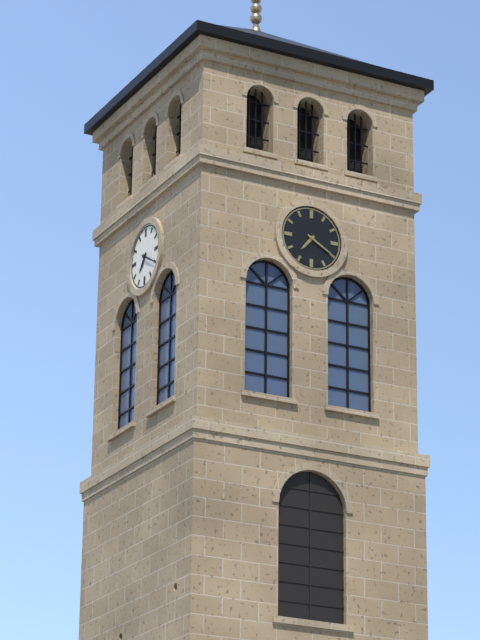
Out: **7:20**
